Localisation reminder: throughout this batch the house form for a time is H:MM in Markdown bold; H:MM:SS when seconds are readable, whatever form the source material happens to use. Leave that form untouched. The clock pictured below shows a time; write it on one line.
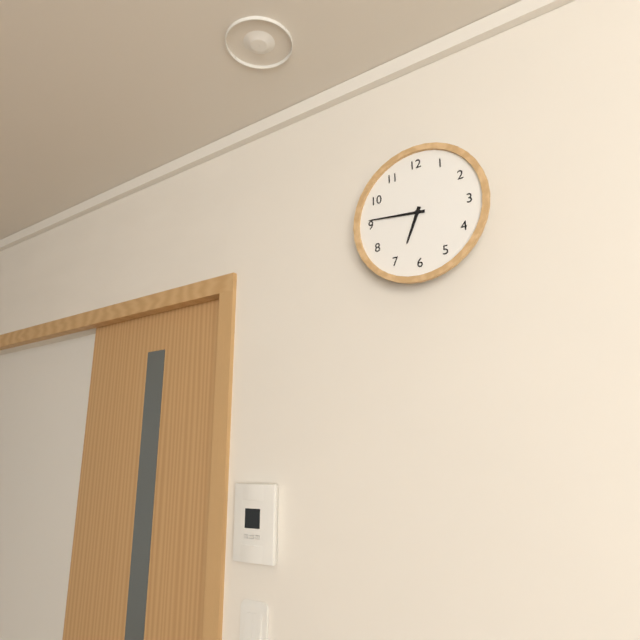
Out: **6:46**
